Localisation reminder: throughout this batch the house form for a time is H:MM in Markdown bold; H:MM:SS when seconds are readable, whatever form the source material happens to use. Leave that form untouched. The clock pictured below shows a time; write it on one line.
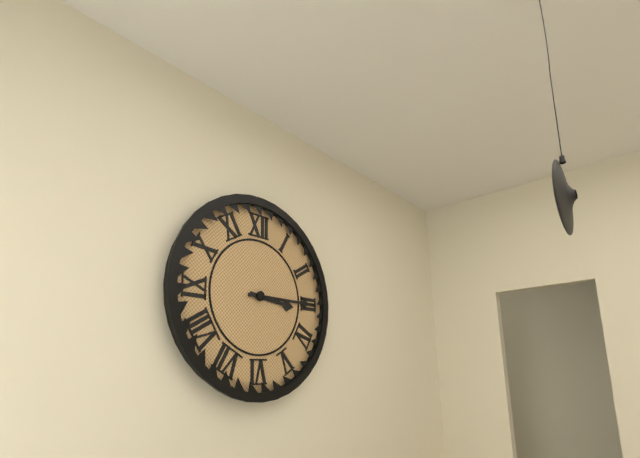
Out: **3:15**
